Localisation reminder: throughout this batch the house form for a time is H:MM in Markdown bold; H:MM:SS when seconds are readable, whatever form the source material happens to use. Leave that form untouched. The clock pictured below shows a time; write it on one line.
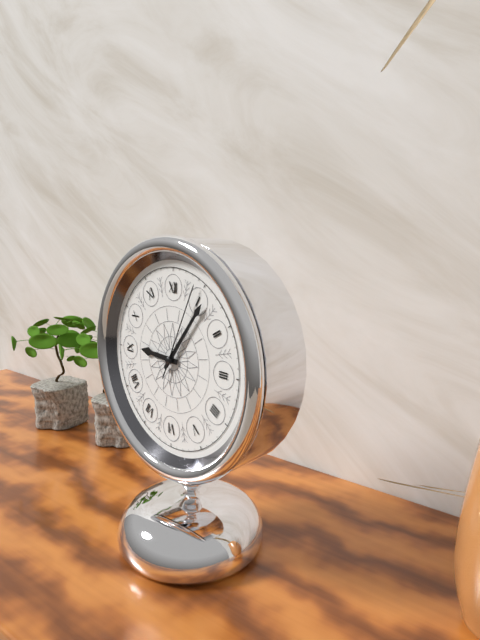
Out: **9:06:04**
